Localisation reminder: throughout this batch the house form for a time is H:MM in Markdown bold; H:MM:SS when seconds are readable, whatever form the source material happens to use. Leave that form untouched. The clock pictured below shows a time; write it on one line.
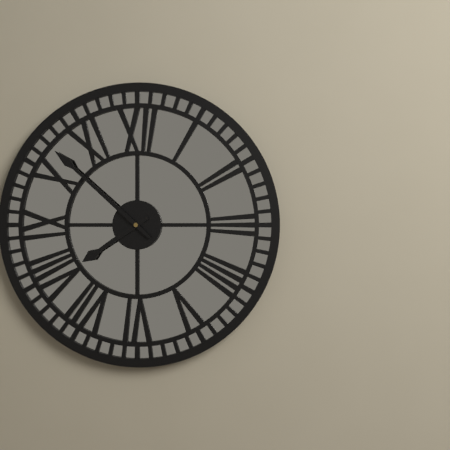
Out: **7:52**
